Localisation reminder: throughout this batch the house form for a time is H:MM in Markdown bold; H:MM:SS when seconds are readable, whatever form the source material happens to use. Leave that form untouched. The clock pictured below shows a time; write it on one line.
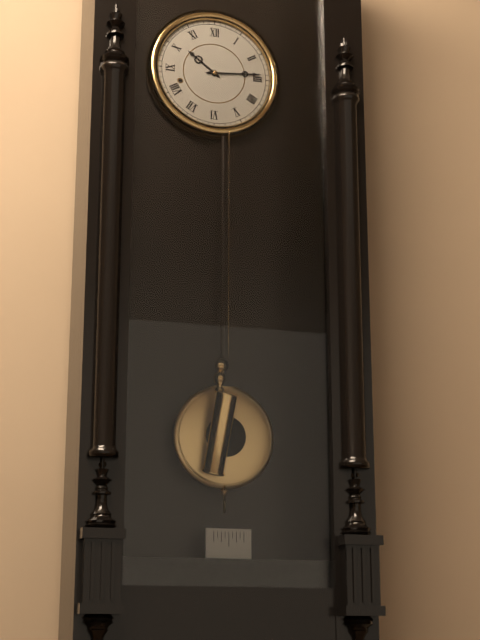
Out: **10:14**
